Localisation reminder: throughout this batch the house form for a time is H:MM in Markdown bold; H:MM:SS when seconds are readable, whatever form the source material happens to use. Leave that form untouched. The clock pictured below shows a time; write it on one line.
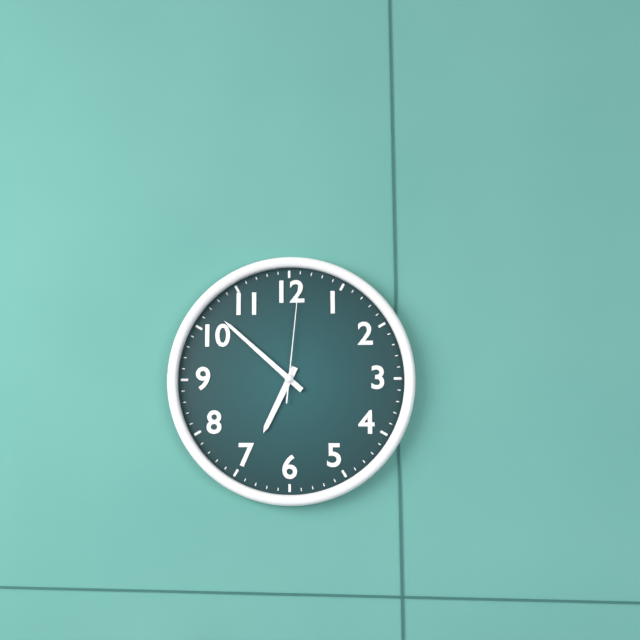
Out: **6:52:01**
